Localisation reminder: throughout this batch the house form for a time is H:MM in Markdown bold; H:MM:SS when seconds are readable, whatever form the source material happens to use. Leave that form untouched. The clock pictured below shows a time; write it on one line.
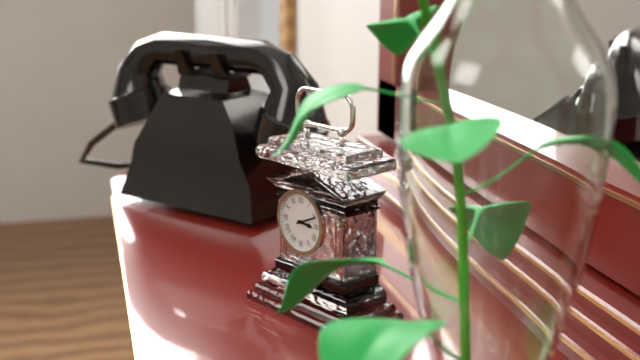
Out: **3:11**
